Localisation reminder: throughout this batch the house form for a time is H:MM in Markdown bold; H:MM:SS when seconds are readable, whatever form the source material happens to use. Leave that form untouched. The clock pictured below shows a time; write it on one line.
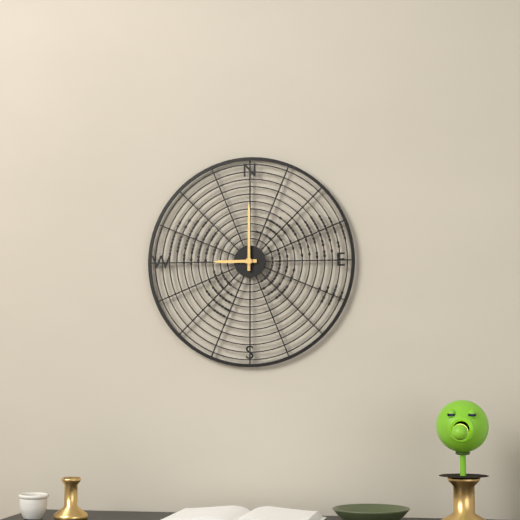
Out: **9:00**
